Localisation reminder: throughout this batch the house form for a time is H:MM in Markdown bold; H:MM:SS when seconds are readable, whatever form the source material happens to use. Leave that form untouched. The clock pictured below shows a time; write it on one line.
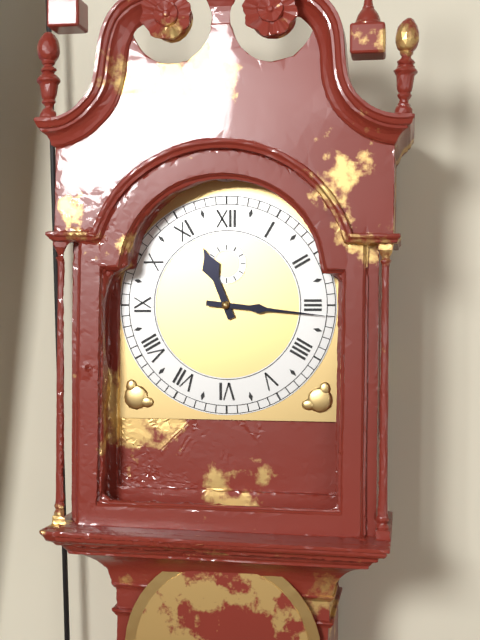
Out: **11:16**
